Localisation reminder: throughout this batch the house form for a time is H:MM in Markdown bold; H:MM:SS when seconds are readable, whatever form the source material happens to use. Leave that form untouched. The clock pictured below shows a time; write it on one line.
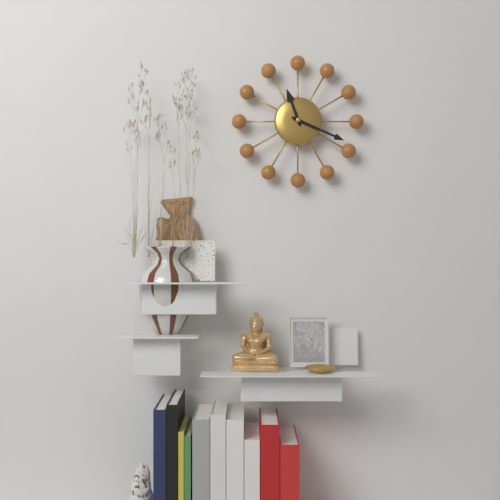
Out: **11:19**
